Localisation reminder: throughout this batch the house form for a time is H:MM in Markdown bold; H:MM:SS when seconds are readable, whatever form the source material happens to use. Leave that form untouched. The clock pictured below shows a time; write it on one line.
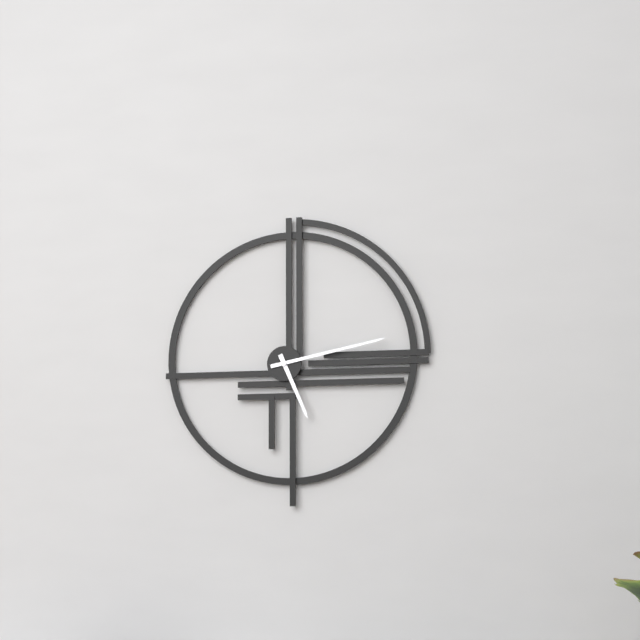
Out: **5:13**
